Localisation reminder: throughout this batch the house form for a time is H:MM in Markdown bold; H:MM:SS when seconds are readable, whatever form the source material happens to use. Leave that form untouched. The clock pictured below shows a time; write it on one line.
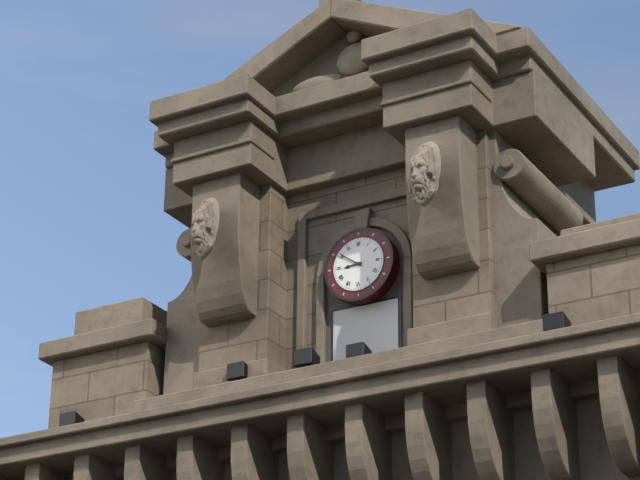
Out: **8:51**
